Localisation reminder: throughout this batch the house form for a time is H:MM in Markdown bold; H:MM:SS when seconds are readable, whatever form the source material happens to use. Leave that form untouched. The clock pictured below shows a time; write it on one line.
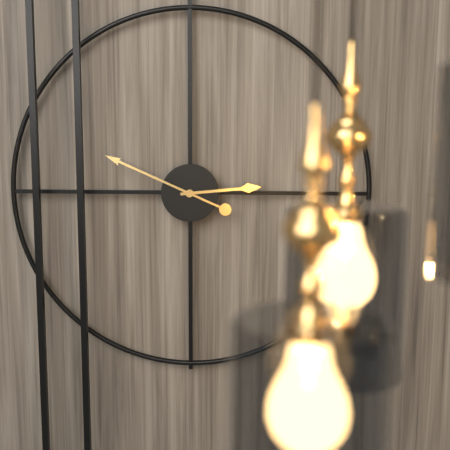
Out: **2:49**
